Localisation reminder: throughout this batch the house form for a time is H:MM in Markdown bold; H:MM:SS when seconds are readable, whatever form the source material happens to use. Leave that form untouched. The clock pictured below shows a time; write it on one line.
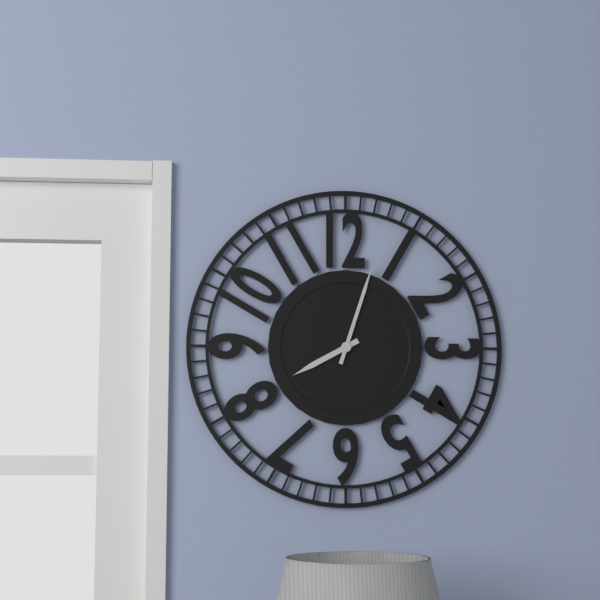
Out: **8:03**
